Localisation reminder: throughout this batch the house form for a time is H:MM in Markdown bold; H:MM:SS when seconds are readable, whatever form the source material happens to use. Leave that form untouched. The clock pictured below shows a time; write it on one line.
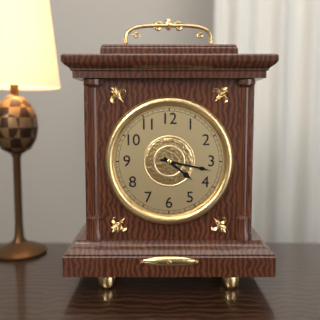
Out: **4:17**
